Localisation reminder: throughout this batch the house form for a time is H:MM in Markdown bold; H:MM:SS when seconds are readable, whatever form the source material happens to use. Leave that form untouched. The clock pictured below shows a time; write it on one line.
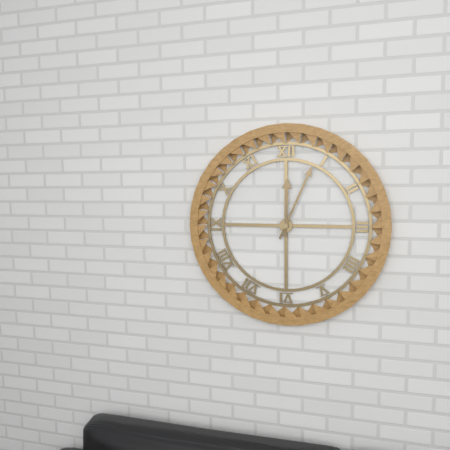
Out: **12:04**
